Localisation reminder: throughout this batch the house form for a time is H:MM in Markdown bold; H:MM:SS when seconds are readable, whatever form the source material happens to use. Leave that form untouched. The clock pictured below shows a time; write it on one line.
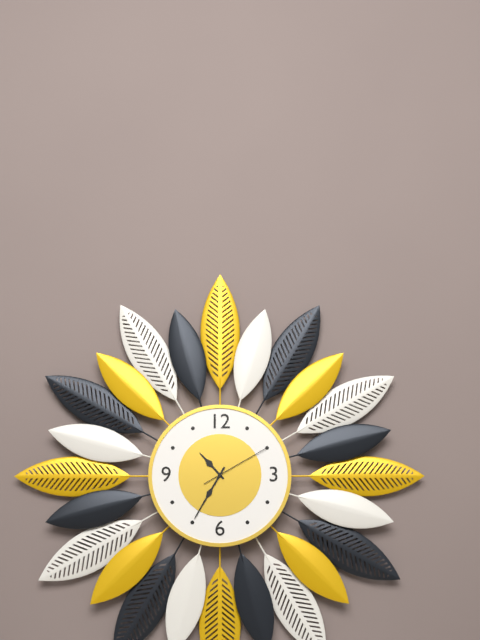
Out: **10:35:10**
